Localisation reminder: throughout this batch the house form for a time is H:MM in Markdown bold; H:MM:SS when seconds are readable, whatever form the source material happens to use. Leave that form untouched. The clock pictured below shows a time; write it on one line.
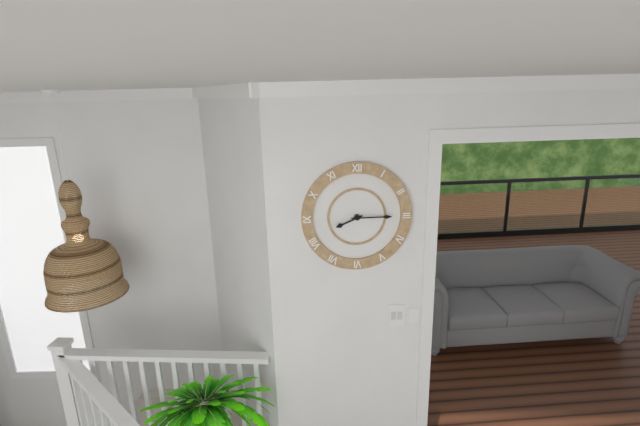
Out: **8:15**
